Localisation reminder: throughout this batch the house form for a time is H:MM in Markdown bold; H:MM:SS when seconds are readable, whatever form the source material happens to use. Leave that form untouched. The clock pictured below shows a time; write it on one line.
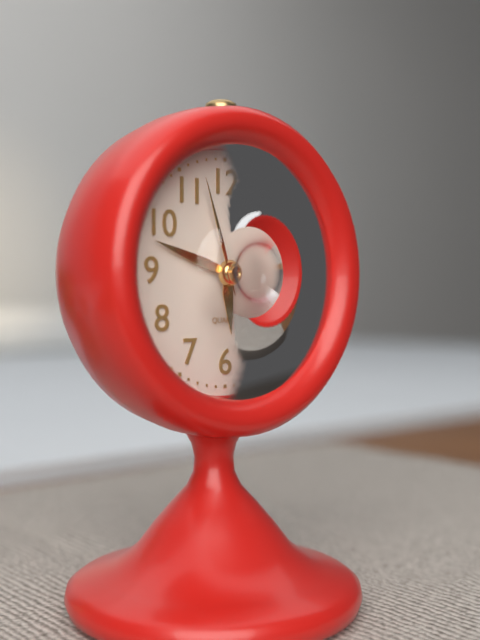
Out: **5:48:57**
